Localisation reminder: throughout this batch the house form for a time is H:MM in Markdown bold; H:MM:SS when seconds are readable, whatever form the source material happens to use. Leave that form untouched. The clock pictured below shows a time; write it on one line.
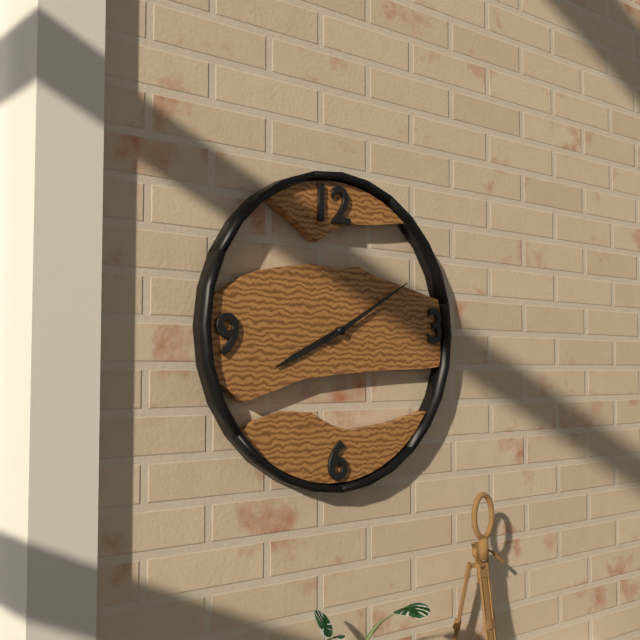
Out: **8:10**
